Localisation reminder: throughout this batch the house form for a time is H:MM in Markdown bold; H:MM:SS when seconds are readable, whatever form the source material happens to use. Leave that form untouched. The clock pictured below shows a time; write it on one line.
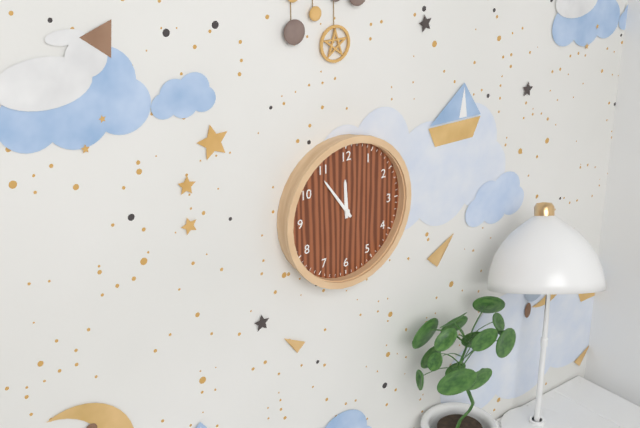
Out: **11:54**
